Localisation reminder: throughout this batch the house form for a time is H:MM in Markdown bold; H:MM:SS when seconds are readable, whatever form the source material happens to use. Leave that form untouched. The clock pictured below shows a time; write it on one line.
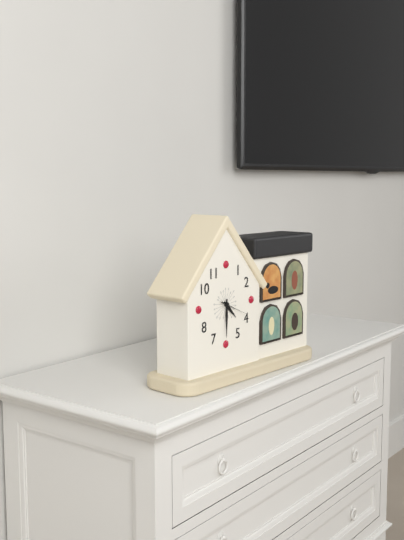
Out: **4:30**
